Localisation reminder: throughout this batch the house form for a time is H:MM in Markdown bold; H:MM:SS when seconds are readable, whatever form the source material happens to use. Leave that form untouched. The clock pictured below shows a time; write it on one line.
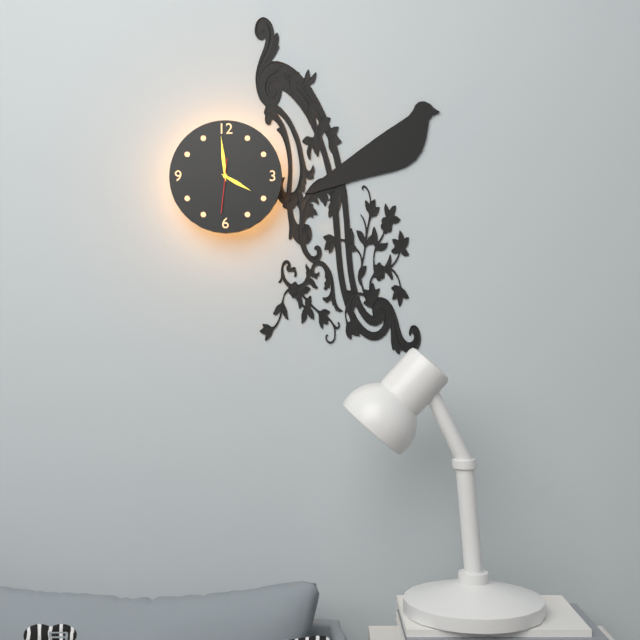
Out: **3:59**
